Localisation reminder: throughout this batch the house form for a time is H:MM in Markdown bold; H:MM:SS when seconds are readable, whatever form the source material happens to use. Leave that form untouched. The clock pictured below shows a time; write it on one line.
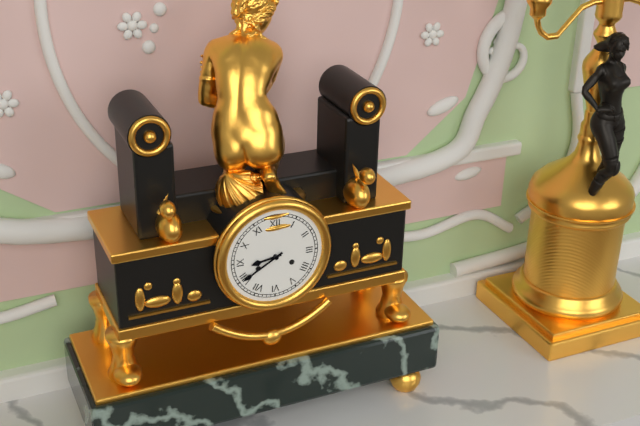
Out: **8:40**
